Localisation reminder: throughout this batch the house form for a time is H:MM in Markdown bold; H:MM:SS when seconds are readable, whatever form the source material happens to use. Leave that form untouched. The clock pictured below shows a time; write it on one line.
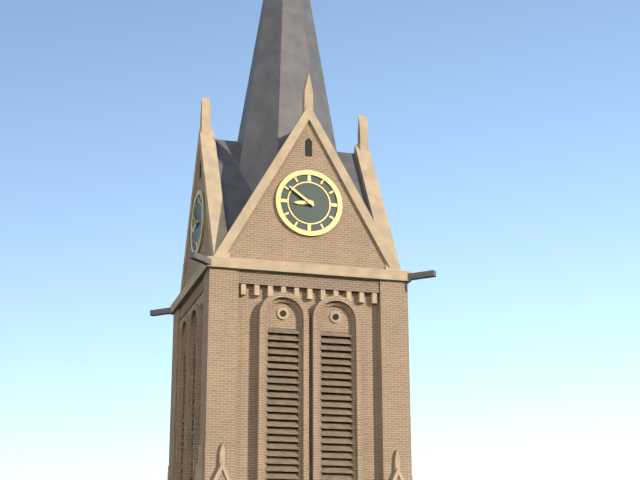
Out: **8:51**
